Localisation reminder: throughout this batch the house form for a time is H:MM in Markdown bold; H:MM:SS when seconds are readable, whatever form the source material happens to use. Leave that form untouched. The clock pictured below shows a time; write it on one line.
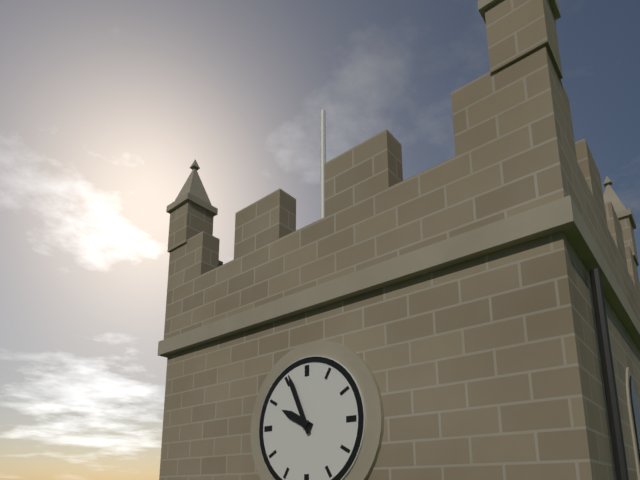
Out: **9:56**
